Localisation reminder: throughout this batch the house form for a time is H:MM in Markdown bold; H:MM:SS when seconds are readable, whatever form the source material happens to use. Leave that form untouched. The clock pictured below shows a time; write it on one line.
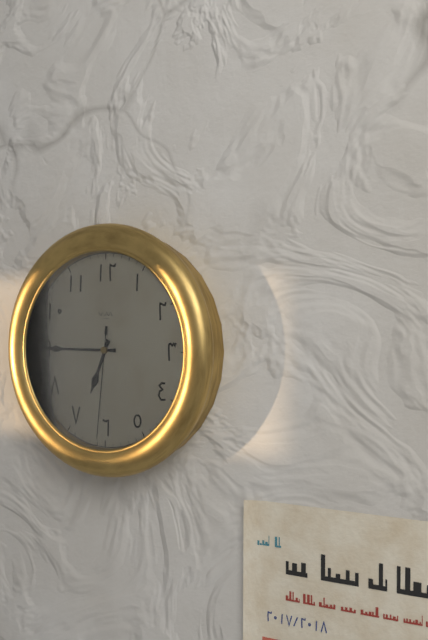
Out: **6:45:31**
